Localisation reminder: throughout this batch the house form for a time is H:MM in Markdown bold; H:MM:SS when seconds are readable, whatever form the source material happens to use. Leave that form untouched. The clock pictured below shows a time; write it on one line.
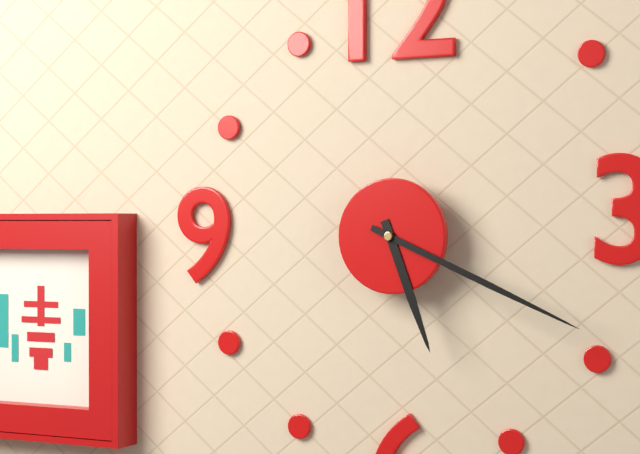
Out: **5:19**
